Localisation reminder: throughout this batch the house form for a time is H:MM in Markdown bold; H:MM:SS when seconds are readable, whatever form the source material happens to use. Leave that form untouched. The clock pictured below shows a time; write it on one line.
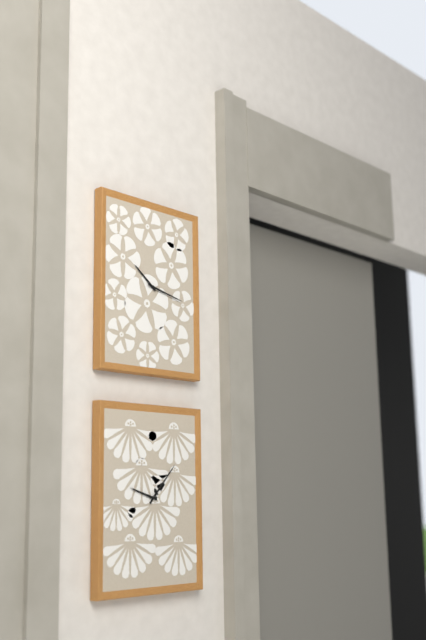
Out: **10:17**
